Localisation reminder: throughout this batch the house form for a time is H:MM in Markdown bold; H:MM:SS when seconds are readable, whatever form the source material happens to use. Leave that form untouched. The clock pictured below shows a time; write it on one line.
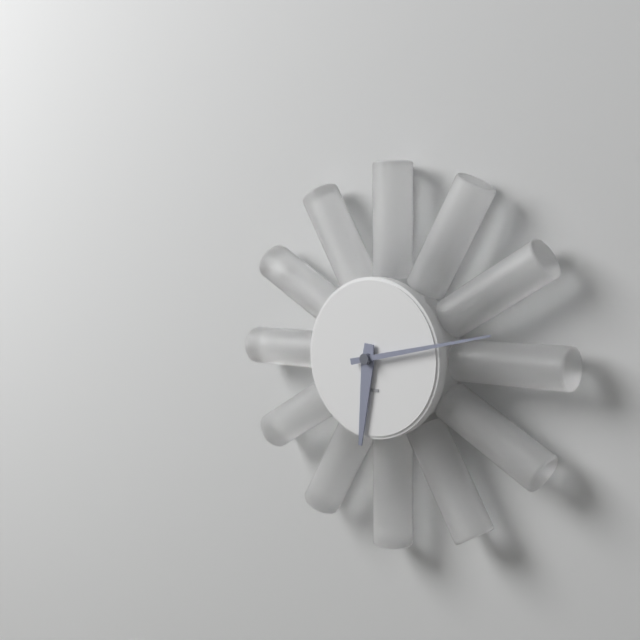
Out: **6:13**
